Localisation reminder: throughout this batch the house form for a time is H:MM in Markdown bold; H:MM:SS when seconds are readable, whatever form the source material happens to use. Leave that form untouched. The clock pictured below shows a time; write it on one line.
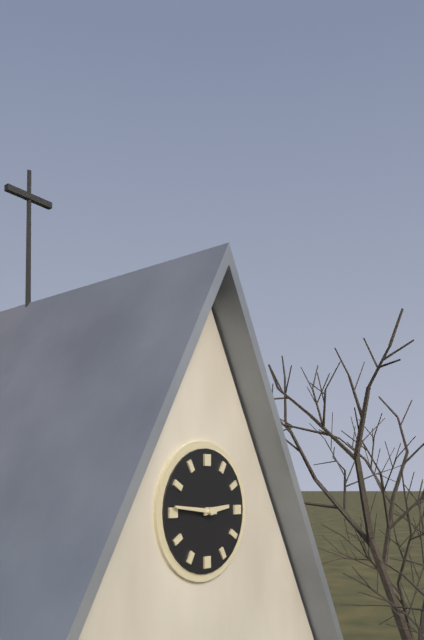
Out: **2:46**
